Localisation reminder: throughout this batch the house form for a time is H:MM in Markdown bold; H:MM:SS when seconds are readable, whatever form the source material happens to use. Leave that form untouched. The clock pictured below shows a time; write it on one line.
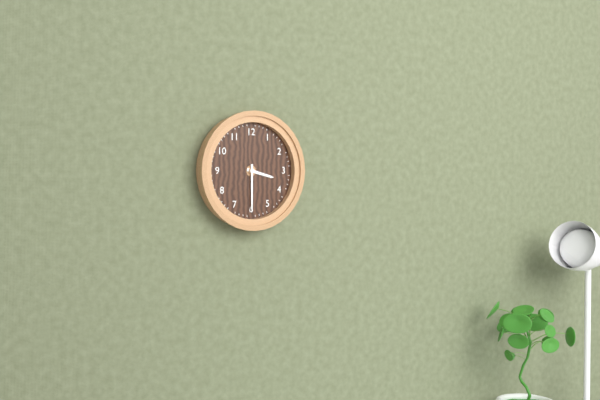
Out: **3:30**
